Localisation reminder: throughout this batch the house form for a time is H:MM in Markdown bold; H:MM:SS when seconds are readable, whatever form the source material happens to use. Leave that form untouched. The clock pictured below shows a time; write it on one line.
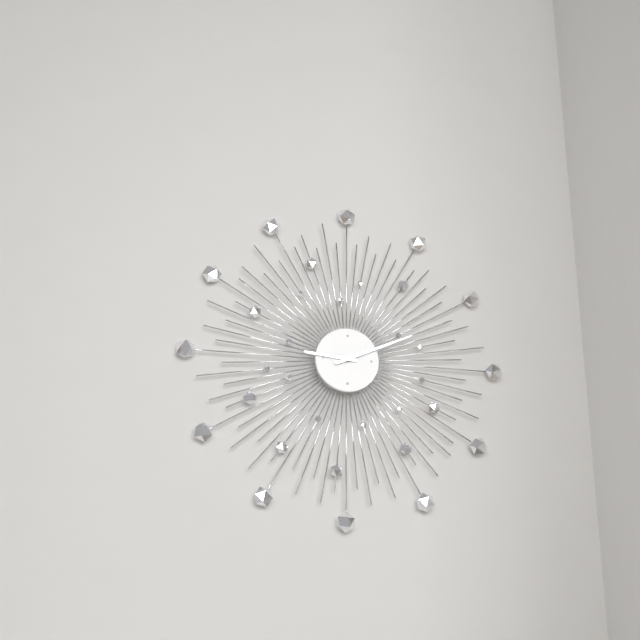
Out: **9:11**
